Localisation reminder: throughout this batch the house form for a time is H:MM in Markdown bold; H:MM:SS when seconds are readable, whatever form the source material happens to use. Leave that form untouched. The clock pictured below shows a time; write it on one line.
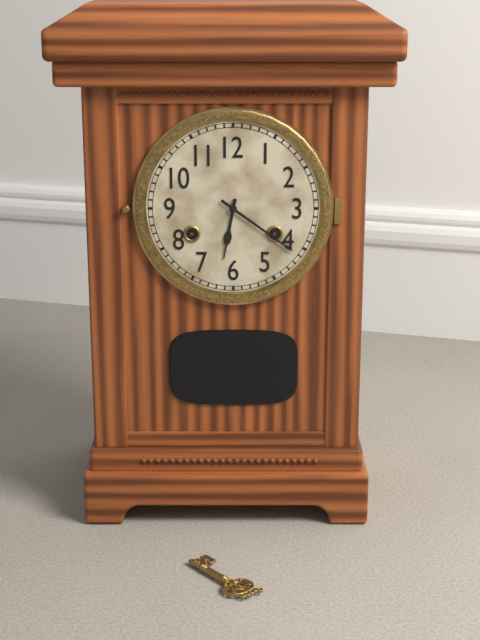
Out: **6:21**
